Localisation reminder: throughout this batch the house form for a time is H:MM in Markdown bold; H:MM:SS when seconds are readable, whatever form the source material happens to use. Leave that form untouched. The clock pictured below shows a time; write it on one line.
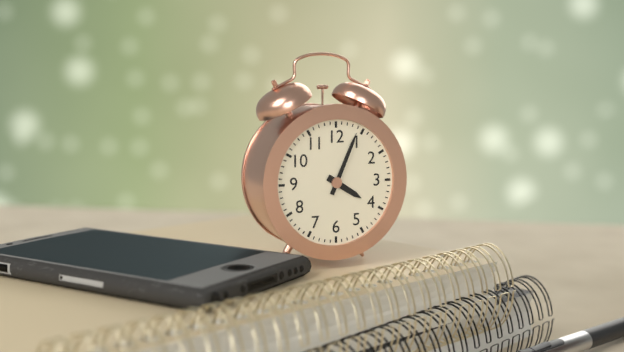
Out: **4:04**
